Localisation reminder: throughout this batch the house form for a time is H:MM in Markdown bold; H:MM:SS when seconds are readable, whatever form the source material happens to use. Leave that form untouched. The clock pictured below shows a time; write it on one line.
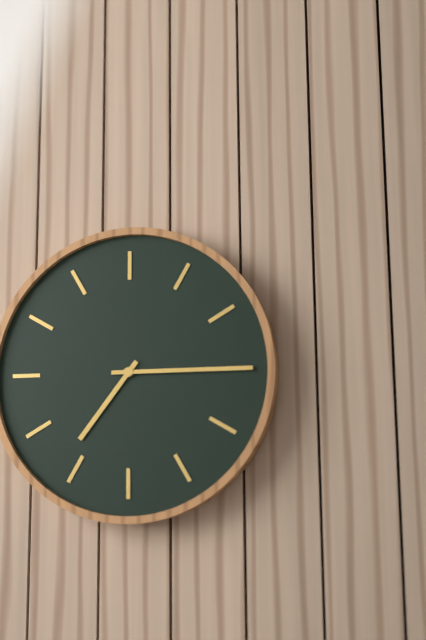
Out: **7:15**
